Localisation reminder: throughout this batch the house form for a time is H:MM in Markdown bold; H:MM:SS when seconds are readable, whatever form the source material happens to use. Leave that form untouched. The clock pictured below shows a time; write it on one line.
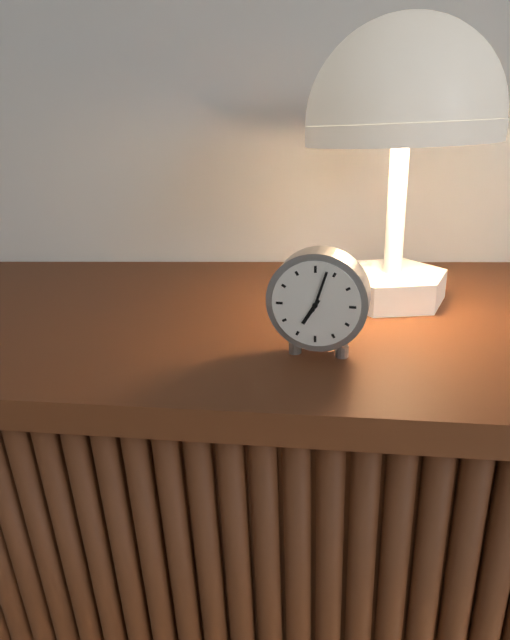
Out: **7:03**
